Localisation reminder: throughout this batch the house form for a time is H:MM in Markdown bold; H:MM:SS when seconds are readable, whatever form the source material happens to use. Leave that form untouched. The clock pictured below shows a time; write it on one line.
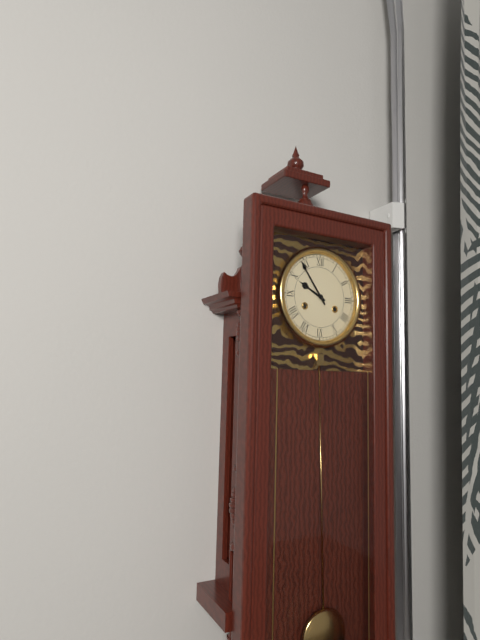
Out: **9:54**
